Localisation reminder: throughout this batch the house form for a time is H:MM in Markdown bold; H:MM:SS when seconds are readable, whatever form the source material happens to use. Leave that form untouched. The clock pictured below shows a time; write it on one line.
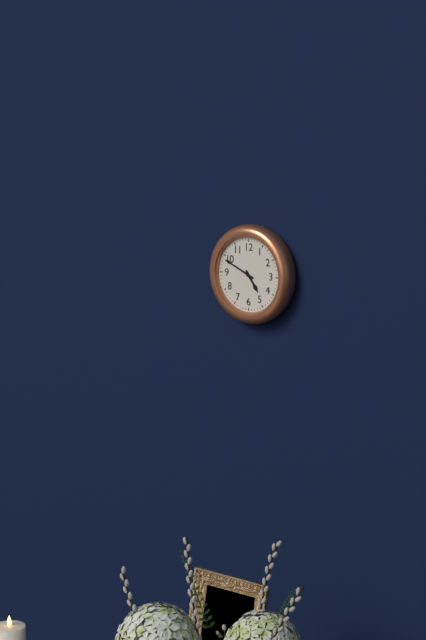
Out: **4:49**
